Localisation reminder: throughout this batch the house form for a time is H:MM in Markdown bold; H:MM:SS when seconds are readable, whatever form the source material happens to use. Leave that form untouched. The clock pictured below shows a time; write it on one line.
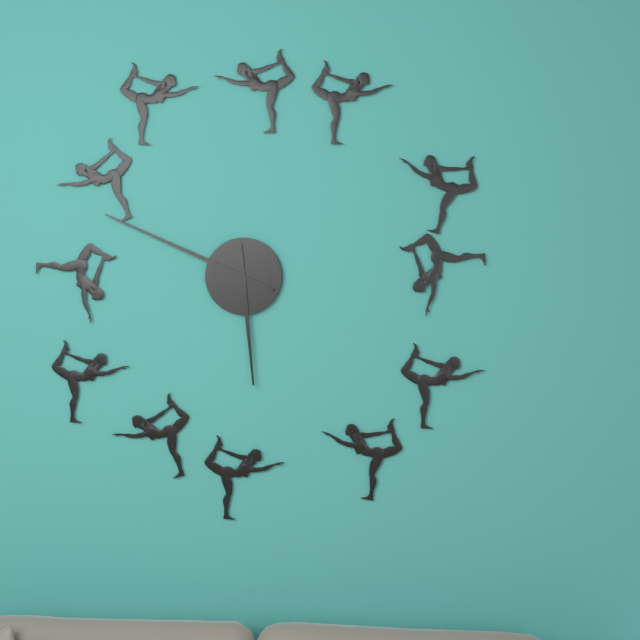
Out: **5:49**
